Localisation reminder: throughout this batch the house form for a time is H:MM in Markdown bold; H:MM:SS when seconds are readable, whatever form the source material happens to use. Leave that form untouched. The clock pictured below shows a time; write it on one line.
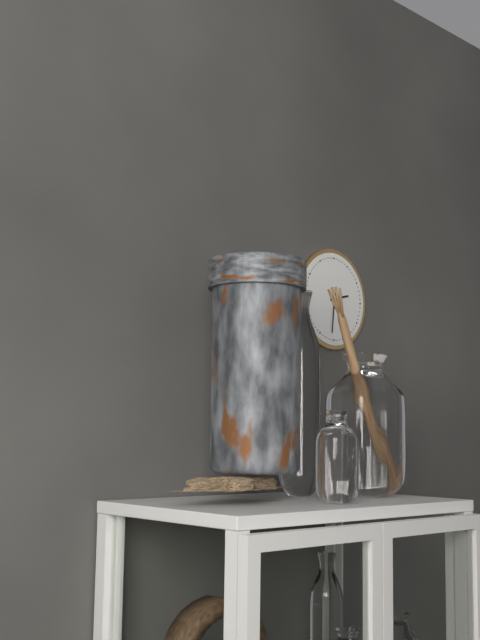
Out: **2:31**
